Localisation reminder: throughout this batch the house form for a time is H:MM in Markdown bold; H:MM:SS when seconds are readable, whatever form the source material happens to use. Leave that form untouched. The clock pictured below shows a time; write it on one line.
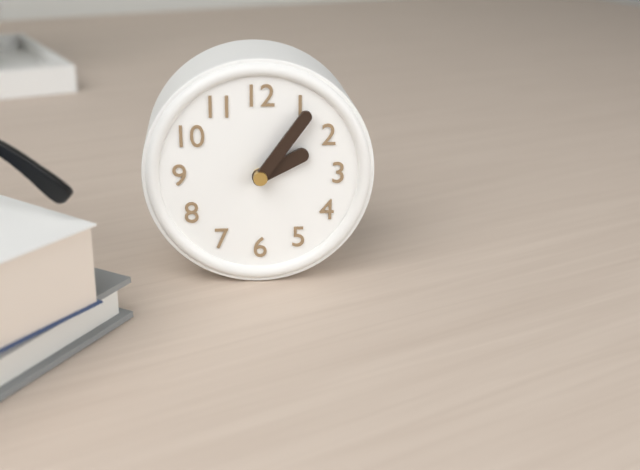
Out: **2:06**
